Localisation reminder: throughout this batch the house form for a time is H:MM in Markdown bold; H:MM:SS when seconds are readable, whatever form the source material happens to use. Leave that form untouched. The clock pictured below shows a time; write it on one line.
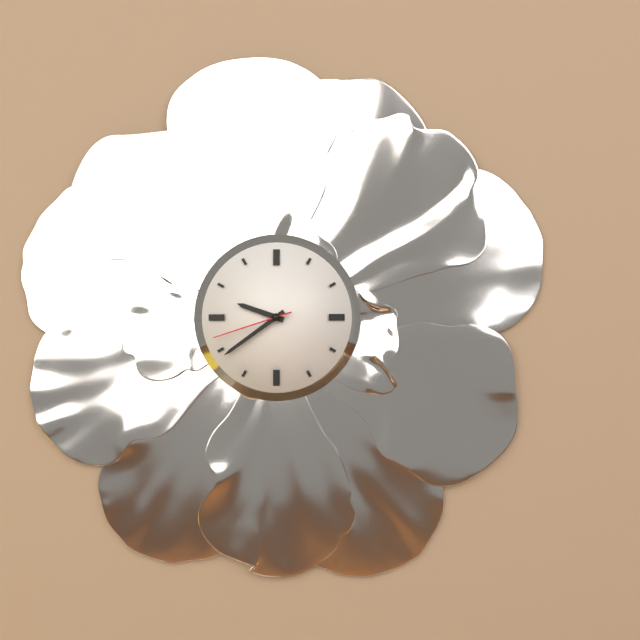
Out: **9:39:42**
